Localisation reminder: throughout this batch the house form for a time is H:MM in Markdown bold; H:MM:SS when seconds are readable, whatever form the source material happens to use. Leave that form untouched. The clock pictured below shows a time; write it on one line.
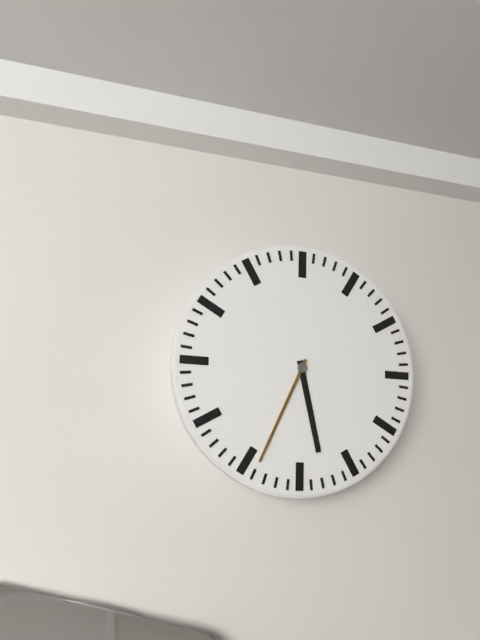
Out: **5:34**
